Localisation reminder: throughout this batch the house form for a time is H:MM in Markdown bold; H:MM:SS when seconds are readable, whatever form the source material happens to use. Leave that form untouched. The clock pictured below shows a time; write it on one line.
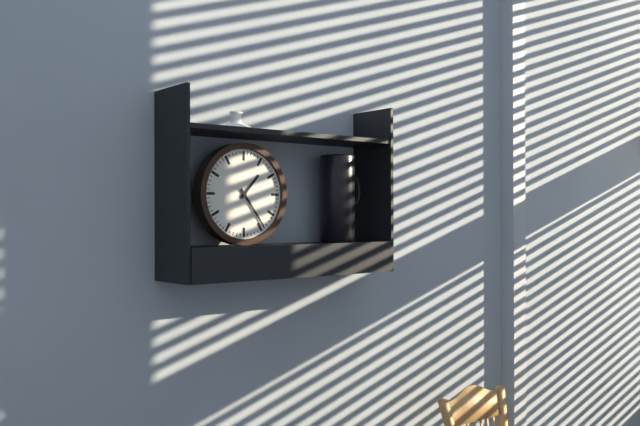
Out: **1:24**
